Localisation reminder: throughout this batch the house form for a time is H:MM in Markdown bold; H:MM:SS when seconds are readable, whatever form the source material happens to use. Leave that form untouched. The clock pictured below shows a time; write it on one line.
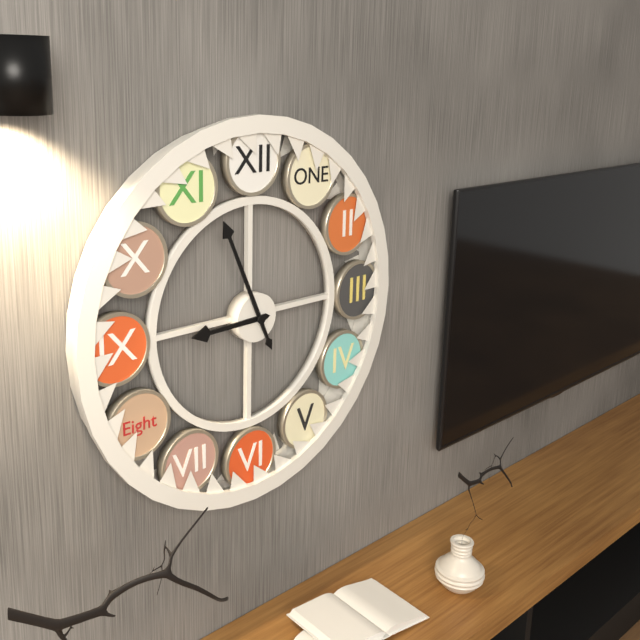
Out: **8:56**
